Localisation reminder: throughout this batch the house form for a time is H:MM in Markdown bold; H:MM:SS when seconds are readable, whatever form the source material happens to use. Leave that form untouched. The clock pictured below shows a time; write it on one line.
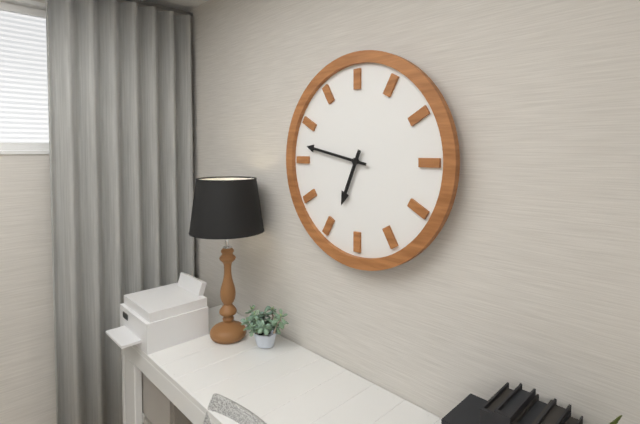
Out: **6:47**
